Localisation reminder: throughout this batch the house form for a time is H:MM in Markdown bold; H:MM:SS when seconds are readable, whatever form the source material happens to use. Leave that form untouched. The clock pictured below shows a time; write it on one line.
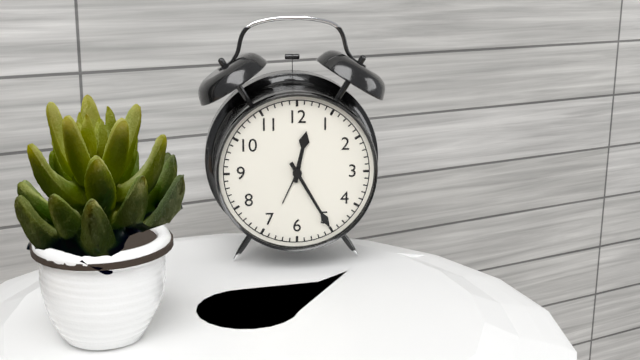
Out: **12:25**
